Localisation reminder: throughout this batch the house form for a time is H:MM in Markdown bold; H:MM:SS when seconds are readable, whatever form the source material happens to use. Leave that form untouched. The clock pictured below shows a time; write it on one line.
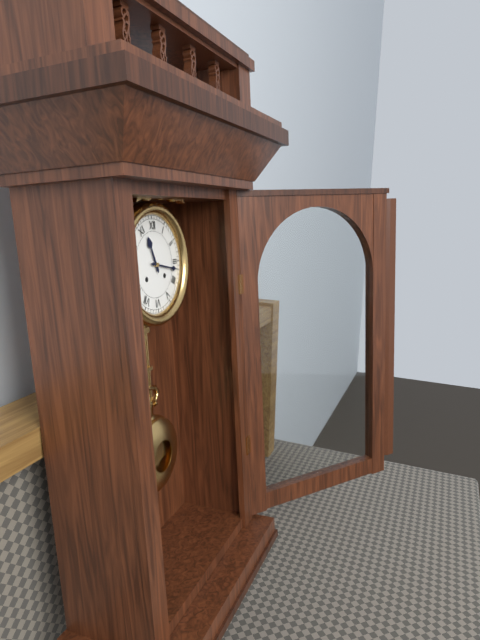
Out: **11:17**
